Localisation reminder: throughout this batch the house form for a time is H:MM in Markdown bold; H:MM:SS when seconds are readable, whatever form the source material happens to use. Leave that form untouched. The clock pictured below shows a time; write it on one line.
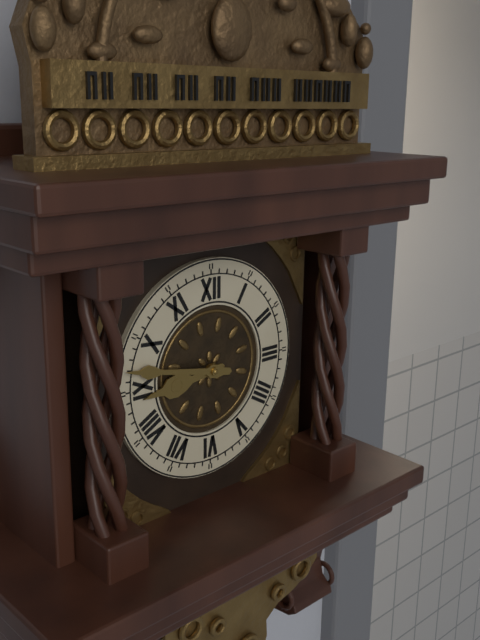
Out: **8:47**
